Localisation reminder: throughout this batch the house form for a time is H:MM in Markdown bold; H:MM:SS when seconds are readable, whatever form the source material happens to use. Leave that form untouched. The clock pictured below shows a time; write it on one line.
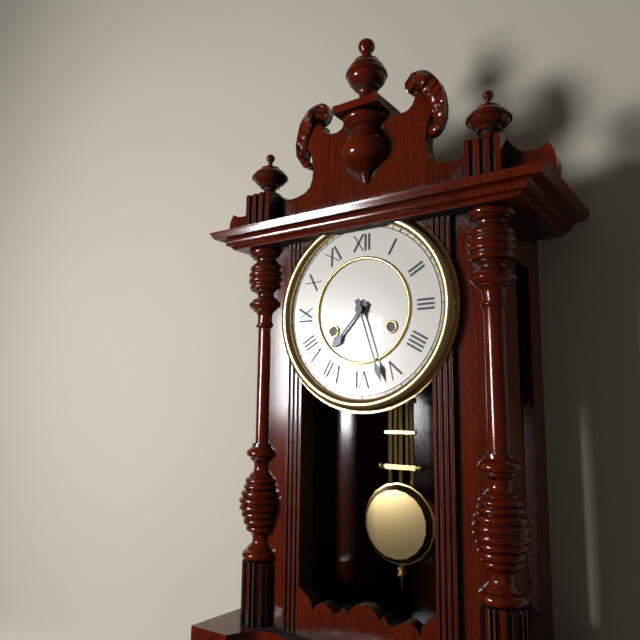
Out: **7:27**
